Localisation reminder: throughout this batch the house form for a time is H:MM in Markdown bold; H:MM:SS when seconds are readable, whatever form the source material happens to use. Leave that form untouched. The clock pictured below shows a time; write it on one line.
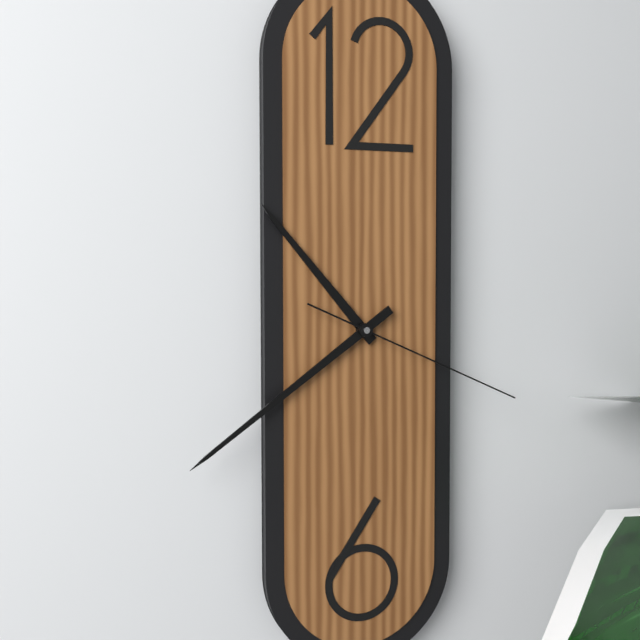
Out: **10:39:19**
